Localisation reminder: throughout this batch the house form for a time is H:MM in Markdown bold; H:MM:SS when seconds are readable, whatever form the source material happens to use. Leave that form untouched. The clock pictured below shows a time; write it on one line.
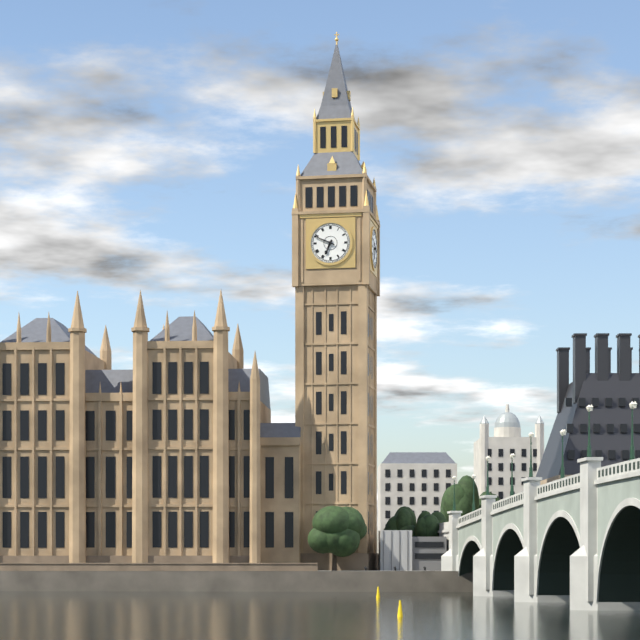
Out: **6:49**
